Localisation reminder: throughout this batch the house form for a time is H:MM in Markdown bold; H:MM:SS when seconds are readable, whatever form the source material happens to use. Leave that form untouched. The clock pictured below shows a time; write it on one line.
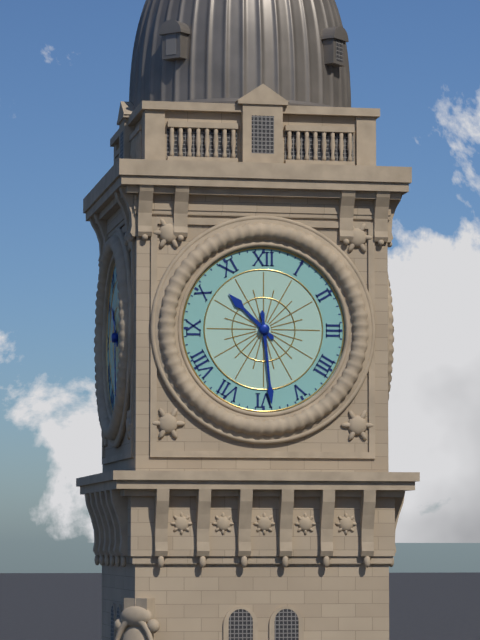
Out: **10:29**
